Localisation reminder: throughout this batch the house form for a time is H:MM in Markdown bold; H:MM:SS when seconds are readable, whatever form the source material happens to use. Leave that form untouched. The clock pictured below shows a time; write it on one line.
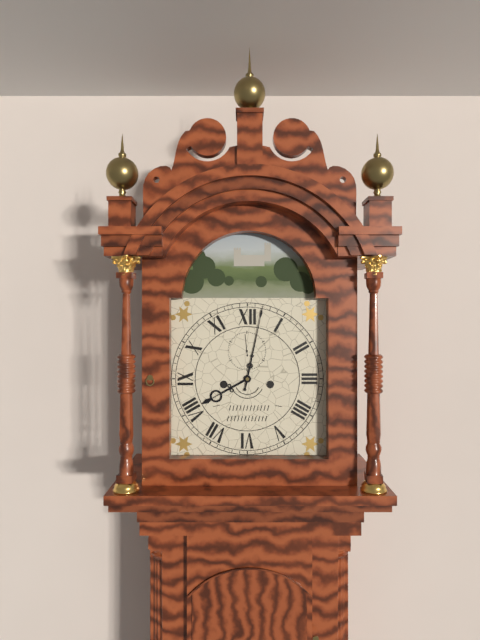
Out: **8:02**
